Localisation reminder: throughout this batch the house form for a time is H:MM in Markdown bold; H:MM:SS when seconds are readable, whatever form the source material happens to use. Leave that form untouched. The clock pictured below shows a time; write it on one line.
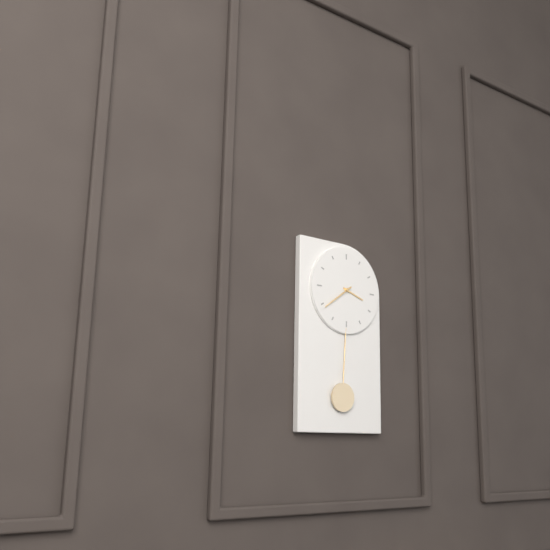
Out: **3:39**
